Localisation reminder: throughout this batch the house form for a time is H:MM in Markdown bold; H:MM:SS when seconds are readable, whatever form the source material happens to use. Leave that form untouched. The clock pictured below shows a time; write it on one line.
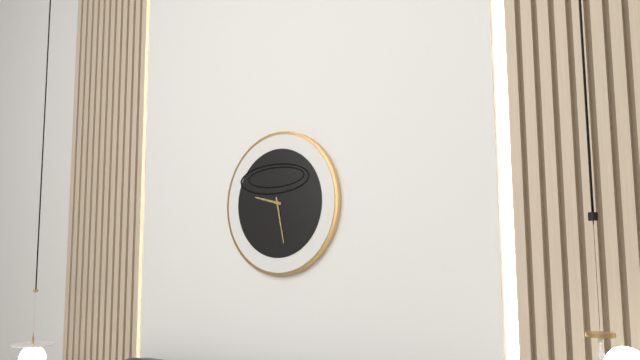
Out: **9:28**
